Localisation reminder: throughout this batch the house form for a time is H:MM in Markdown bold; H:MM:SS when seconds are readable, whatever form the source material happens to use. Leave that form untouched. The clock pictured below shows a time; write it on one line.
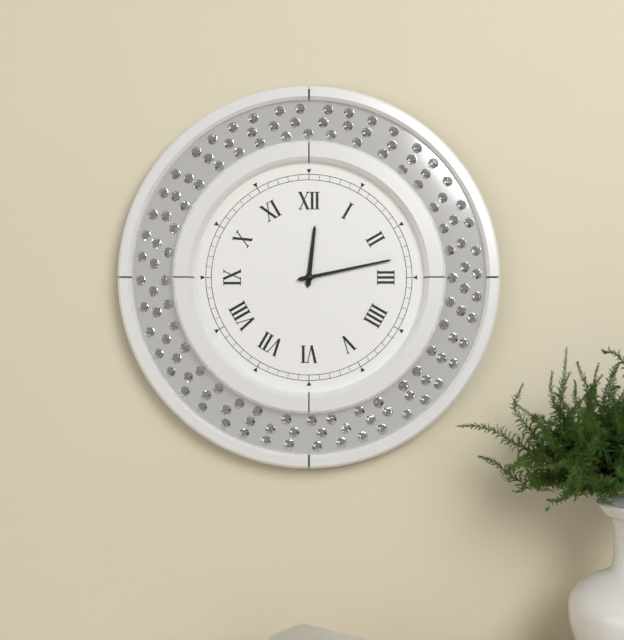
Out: **12:13**
